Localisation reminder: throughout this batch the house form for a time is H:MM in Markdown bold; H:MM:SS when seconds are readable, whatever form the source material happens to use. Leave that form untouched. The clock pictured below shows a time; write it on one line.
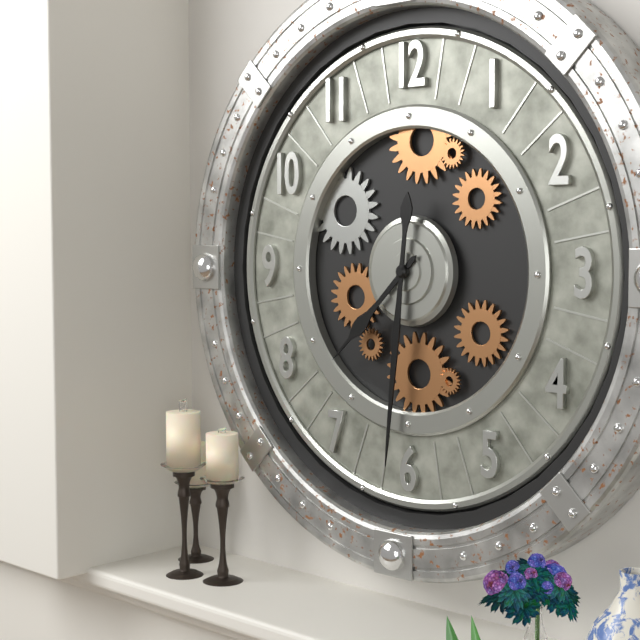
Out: **7:31**
